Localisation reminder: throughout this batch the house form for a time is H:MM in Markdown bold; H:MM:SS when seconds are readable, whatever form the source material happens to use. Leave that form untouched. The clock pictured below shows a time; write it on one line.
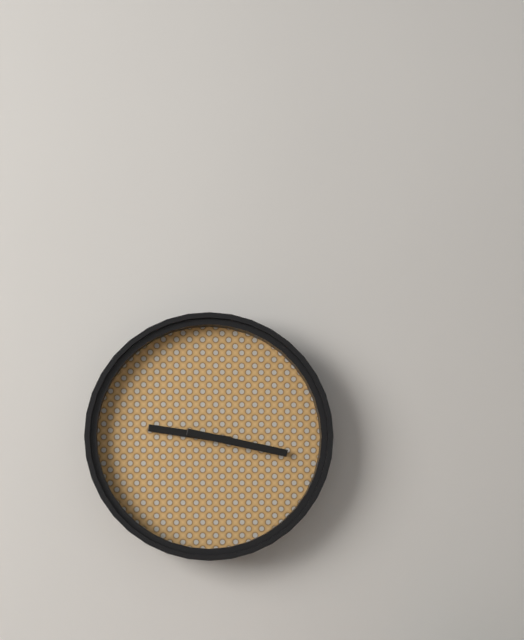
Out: **9:17**
